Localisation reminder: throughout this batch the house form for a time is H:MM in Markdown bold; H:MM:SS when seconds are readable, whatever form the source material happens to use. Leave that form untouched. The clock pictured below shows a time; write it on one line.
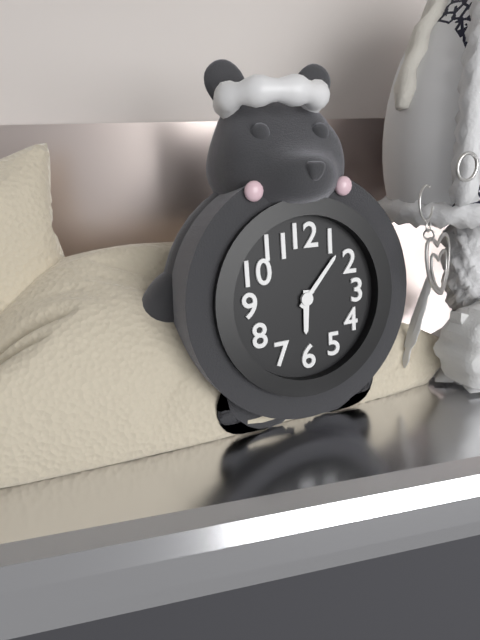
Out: **6:07**
